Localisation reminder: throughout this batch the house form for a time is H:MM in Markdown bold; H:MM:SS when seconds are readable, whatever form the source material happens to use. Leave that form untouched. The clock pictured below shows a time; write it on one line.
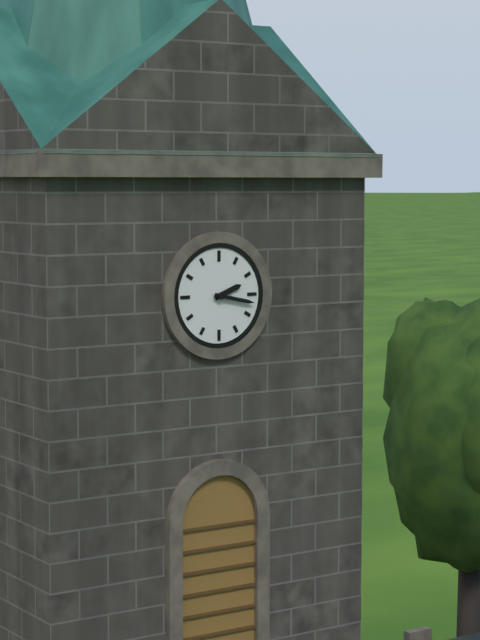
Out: **2:17**
